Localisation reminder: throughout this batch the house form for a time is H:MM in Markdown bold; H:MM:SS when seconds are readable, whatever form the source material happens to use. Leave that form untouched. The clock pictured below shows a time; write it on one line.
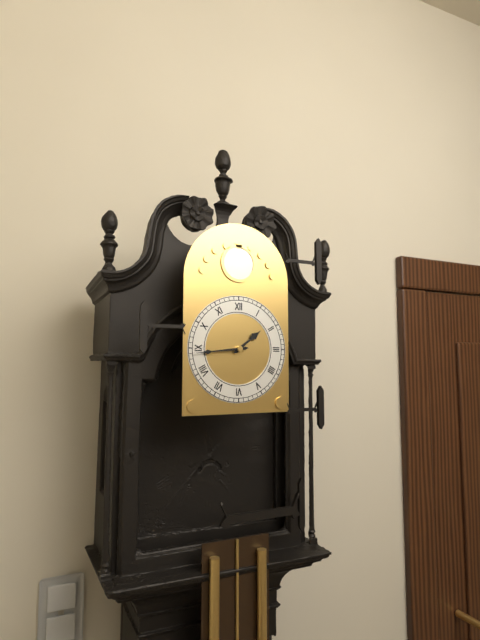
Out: **1:44**
